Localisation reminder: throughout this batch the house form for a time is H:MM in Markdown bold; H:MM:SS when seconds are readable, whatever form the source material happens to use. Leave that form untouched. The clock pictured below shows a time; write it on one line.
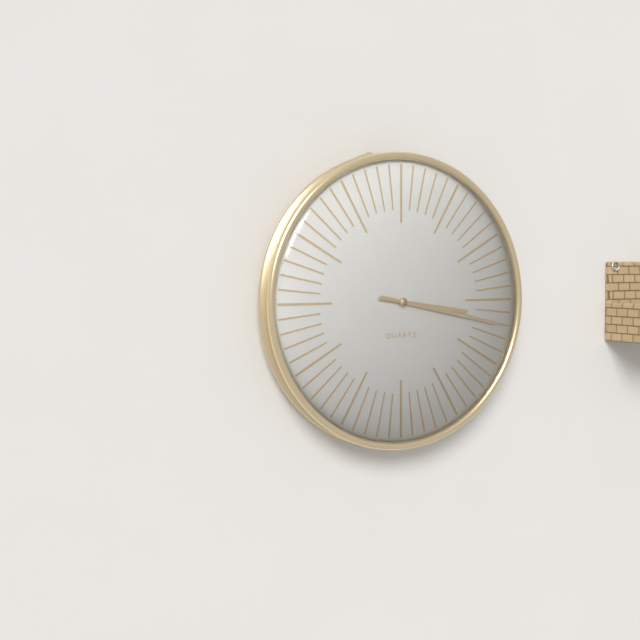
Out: **3:17**
